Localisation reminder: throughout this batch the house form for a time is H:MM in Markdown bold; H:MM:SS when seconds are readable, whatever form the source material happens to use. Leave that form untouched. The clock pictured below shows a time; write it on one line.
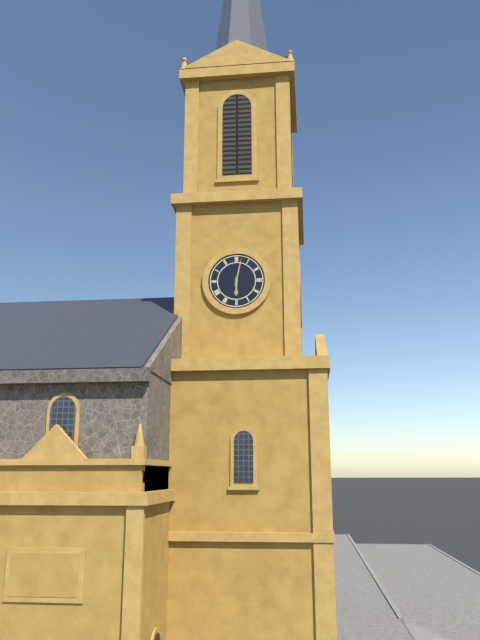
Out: **6:02**
